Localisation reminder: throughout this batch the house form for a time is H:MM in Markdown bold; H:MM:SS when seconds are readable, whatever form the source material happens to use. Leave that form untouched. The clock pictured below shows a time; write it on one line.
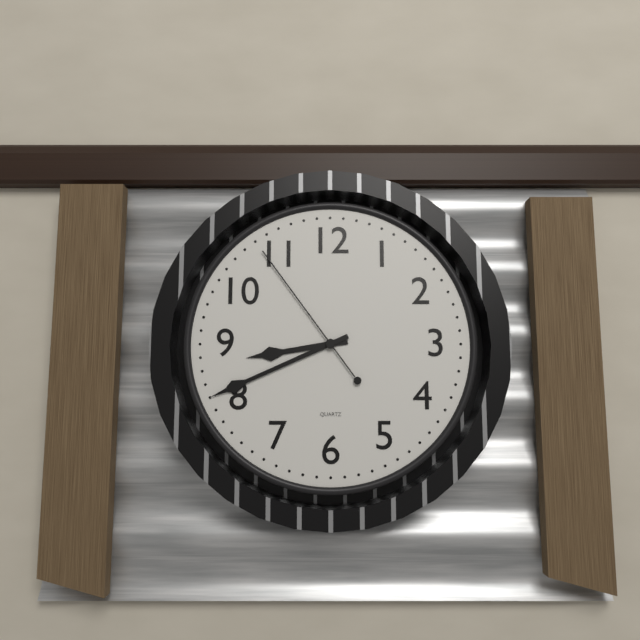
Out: **8:41:54**
